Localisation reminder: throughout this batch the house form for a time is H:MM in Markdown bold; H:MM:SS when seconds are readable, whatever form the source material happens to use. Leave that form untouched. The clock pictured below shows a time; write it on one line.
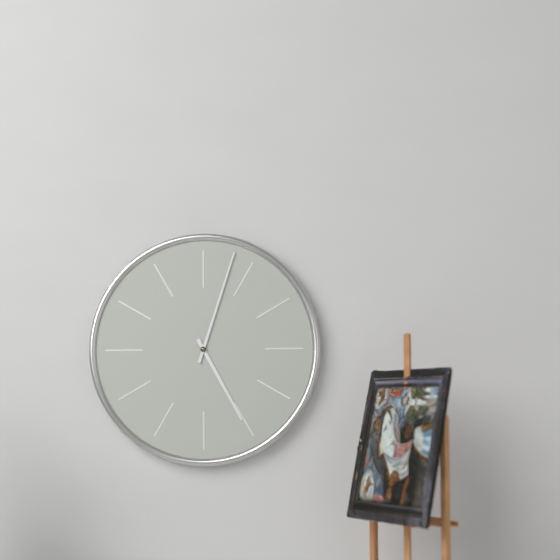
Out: **5:03**
